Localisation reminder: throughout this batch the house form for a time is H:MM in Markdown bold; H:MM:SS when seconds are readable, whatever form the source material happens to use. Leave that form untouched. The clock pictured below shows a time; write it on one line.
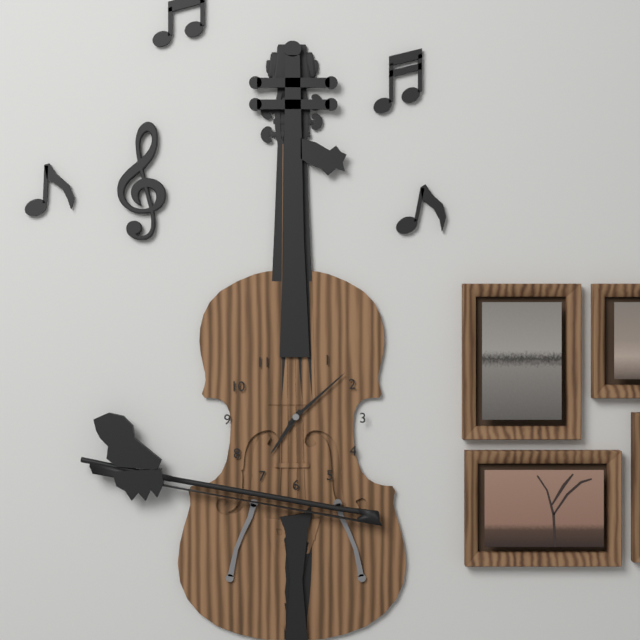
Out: **7:08**
